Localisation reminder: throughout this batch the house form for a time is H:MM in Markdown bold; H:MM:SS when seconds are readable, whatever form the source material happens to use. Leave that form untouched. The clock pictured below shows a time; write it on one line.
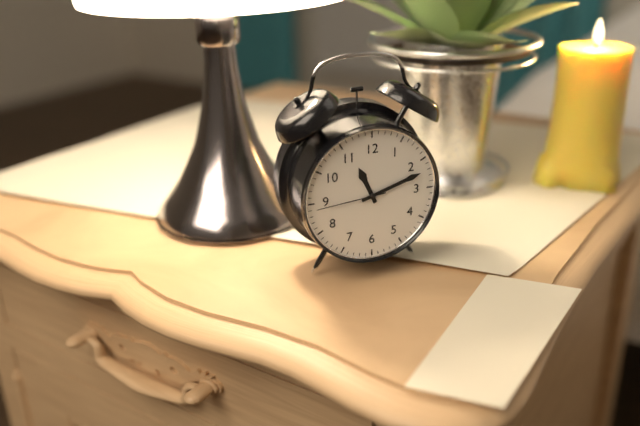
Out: **11:12:44**
